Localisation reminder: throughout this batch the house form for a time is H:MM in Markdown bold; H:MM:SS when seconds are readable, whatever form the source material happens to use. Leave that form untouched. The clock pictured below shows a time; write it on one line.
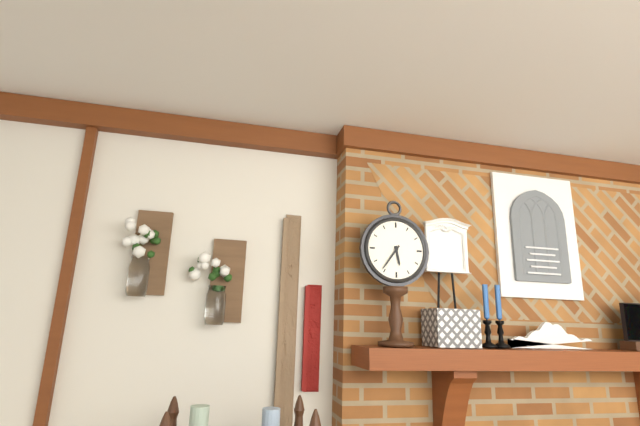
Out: **5:36**
